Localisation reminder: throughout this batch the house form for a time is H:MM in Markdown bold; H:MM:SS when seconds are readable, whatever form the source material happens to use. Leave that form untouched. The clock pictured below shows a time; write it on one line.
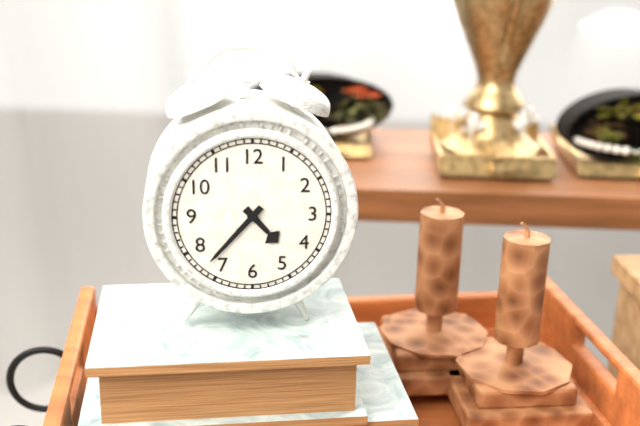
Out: **4:37**
